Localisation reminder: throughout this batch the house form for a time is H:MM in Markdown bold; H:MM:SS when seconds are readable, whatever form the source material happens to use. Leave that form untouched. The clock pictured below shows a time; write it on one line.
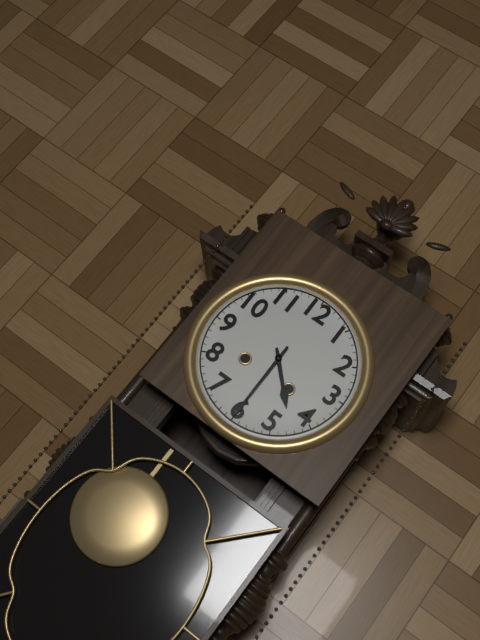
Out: **4:30**
